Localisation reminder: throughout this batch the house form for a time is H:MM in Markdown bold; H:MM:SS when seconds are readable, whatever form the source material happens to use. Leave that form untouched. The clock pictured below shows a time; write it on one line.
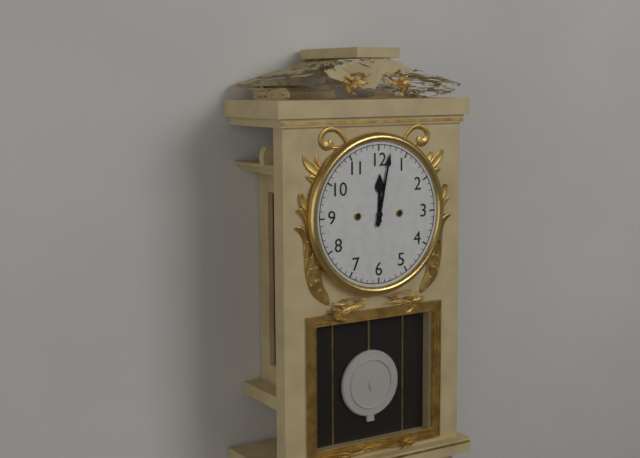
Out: **12:02**
